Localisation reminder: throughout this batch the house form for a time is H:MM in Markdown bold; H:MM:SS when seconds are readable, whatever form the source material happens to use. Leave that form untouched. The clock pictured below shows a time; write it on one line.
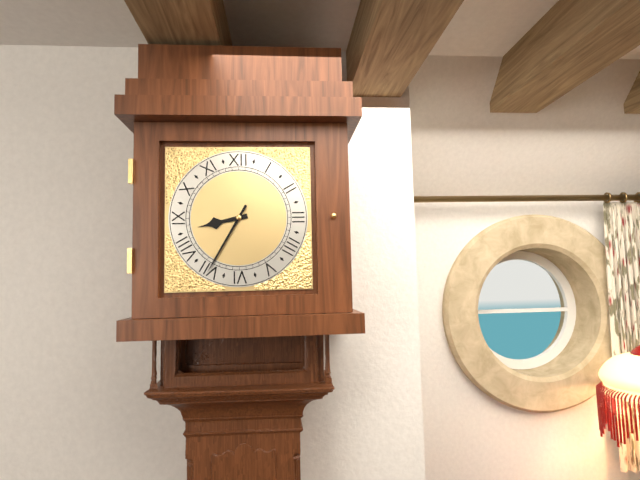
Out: **8:35**
